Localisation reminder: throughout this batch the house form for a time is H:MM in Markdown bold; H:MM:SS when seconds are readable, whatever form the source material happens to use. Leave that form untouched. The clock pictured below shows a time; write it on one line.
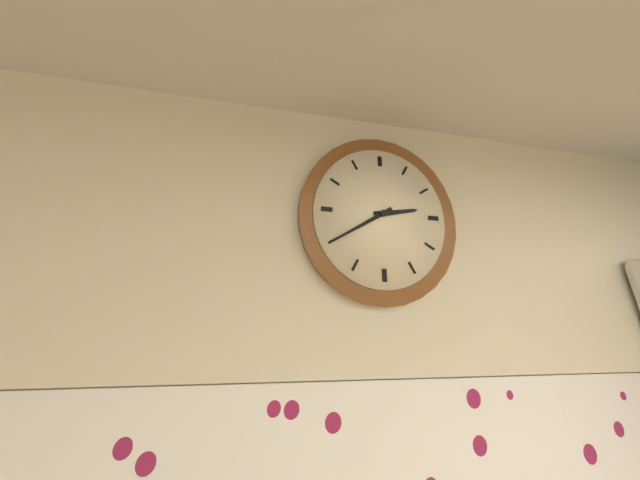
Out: **2:40**
